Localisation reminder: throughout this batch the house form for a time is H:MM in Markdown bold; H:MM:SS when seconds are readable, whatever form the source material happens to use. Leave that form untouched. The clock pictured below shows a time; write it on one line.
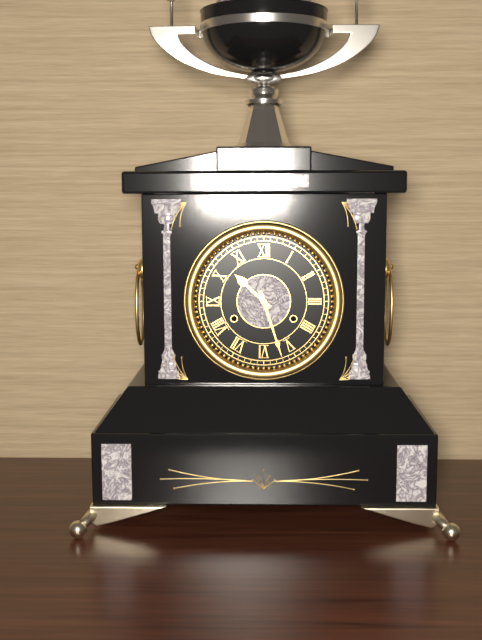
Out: **10:27**
